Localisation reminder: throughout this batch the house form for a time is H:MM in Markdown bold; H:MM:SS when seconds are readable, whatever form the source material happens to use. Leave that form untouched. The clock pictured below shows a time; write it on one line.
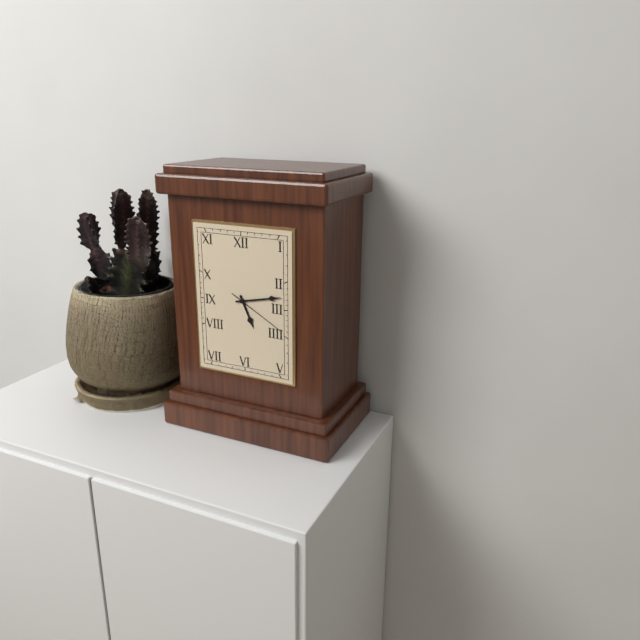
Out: **5:13:20**
